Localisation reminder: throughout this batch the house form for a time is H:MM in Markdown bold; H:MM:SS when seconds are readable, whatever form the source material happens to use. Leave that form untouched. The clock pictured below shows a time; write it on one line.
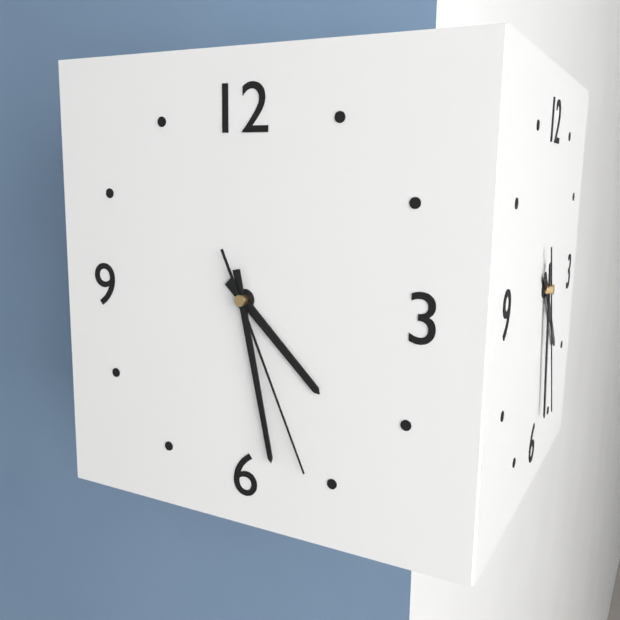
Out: **4:28:26**
